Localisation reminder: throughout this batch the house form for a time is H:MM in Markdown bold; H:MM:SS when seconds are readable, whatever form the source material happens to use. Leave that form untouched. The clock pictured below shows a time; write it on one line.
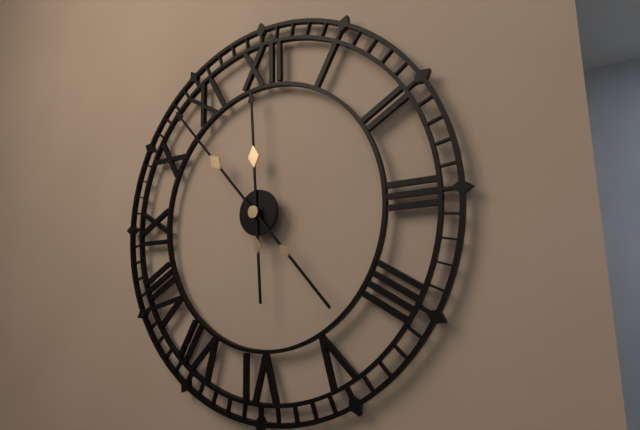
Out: **11:53**
